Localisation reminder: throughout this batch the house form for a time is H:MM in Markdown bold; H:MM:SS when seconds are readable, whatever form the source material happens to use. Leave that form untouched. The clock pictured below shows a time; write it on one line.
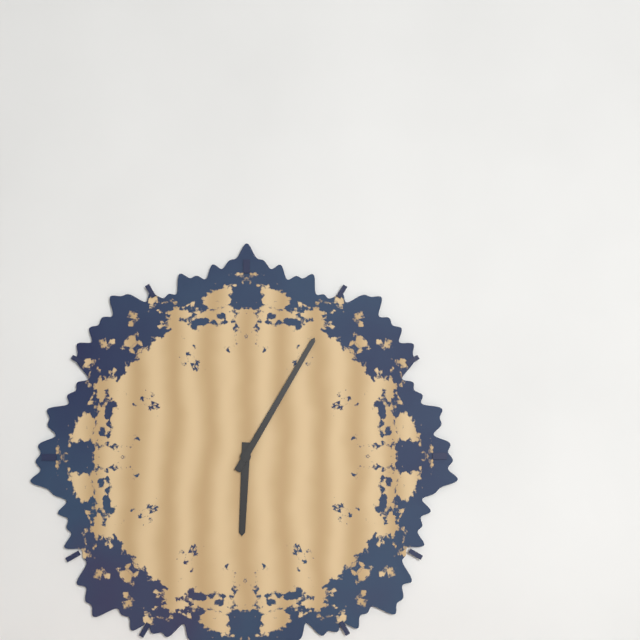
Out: **6:05**
